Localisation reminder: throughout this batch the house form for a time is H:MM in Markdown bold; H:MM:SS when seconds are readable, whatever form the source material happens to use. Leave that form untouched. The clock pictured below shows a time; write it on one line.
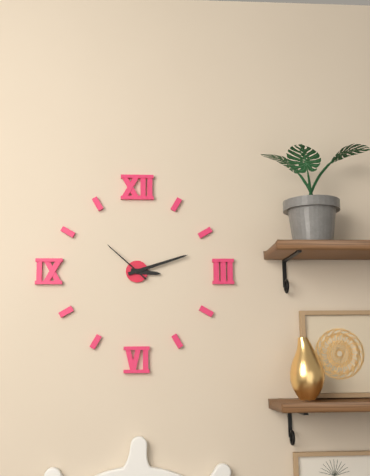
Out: **3:12:52**
